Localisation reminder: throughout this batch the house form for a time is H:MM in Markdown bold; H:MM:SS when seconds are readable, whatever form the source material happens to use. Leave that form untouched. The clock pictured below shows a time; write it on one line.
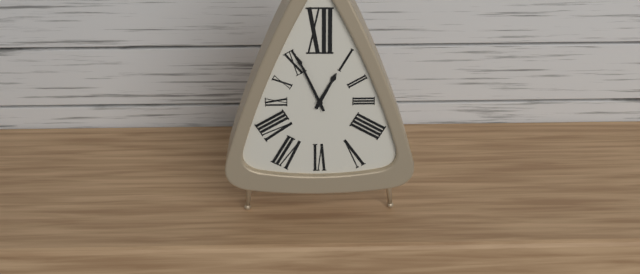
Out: **12:56**
